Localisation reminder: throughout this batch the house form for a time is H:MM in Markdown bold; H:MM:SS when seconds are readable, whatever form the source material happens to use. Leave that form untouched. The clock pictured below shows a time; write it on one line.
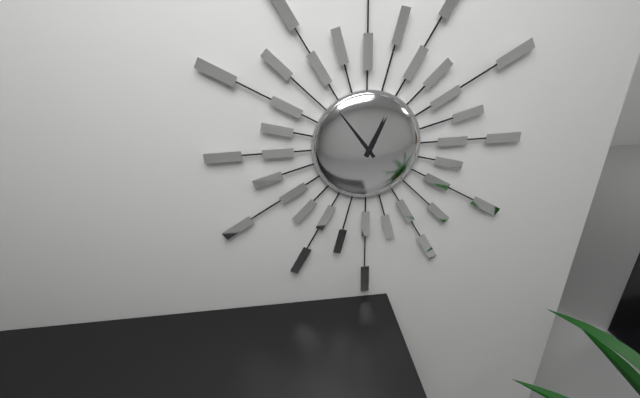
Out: **12:54**
